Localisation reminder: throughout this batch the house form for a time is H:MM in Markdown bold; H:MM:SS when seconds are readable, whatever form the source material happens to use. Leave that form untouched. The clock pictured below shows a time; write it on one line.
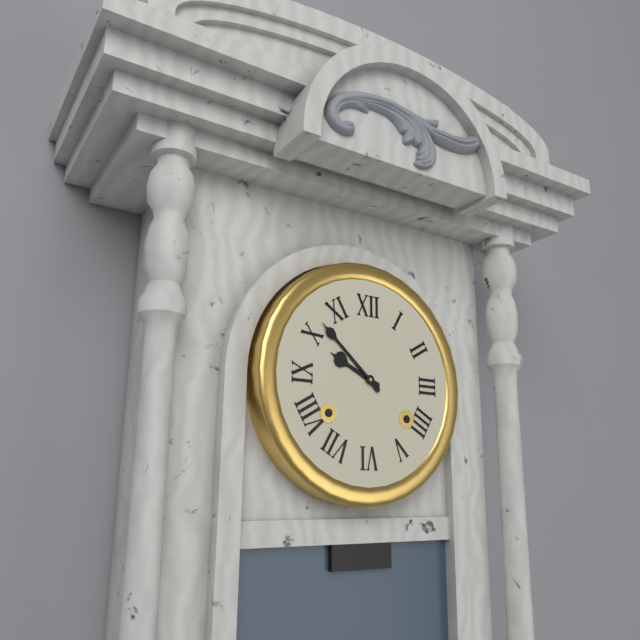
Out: **9:52**
